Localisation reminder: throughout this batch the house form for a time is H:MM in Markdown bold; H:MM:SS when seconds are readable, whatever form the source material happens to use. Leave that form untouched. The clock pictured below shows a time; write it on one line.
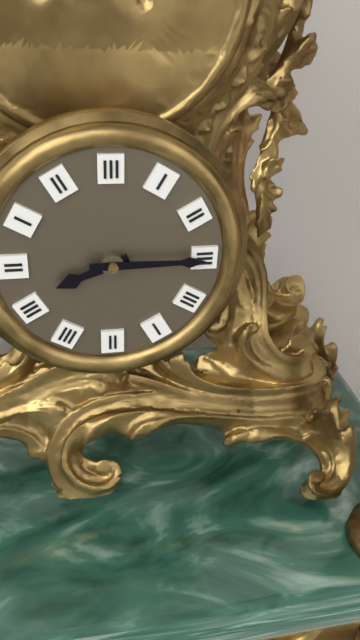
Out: **8:15**
